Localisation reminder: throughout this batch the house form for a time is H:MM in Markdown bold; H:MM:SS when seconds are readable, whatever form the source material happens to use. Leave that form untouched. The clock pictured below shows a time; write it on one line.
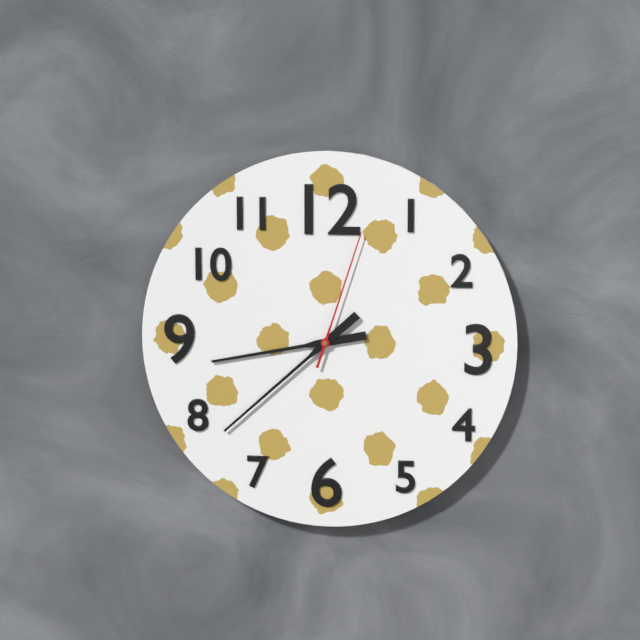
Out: **8:38:03**
